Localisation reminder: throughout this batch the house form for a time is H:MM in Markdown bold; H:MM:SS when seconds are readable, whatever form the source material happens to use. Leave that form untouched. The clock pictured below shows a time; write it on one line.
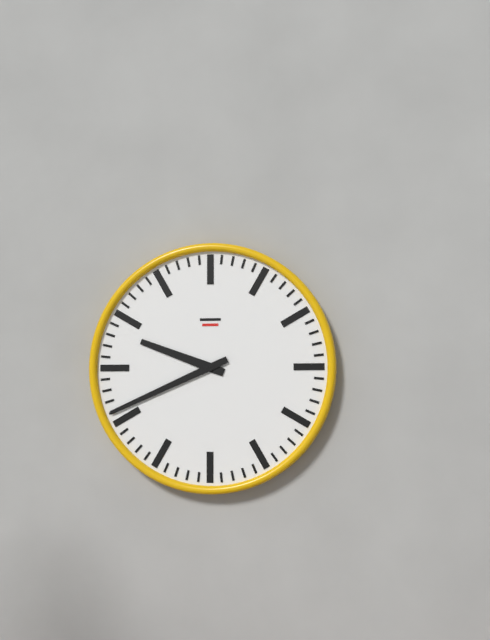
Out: **9:41**
